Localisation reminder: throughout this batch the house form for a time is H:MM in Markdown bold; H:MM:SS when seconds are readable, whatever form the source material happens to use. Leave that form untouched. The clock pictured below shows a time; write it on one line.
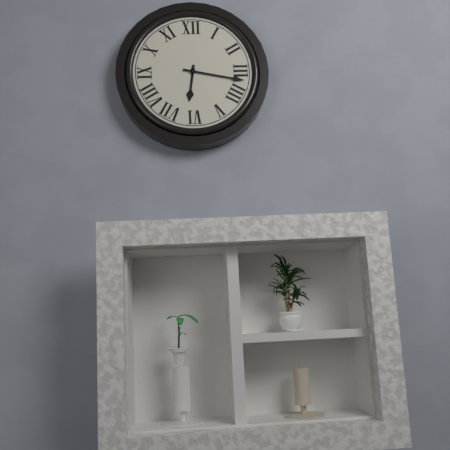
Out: **6:17**
